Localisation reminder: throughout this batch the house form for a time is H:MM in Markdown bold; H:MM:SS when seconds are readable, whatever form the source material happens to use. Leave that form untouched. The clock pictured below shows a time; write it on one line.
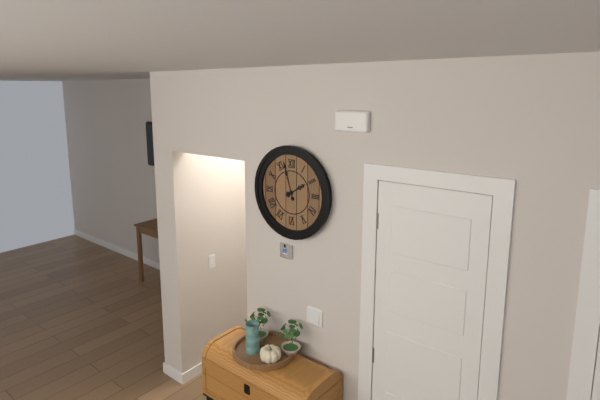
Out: **1:57**
